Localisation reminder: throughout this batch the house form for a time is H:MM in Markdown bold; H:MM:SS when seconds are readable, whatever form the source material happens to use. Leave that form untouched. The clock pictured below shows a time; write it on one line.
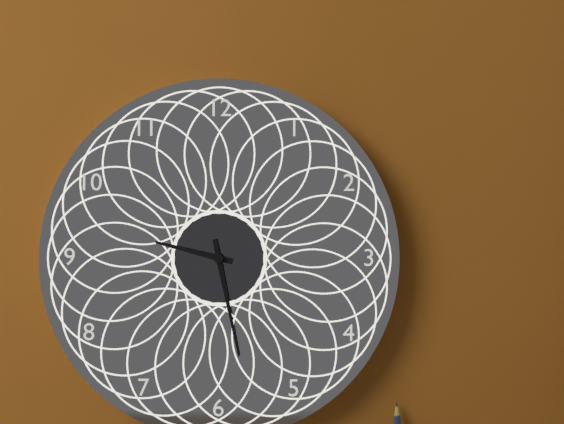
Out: **9:28**
